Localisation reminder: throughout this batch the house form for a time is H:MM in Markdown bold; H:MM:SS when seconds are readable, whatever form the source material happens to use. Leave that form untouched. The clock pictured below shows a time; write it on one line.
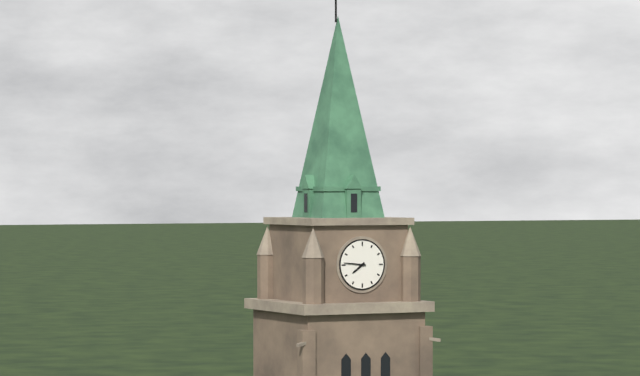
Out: **7:46**
